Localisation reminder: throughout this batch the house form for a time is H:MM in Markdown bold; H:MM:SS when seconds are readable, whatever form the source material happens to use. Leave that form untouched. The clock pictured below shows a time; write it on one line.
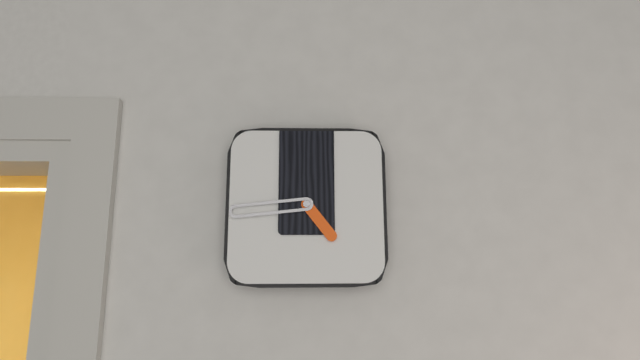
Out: **4:44**
